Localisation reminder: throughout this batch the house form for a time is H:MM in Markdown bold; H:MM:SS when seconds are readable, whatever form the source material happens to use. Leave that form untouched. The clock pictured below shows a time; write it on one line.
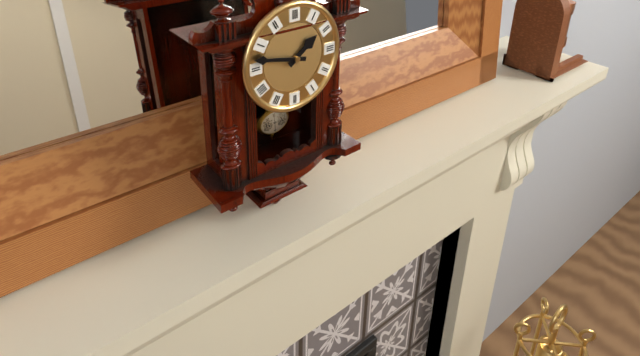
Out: **1:47**
